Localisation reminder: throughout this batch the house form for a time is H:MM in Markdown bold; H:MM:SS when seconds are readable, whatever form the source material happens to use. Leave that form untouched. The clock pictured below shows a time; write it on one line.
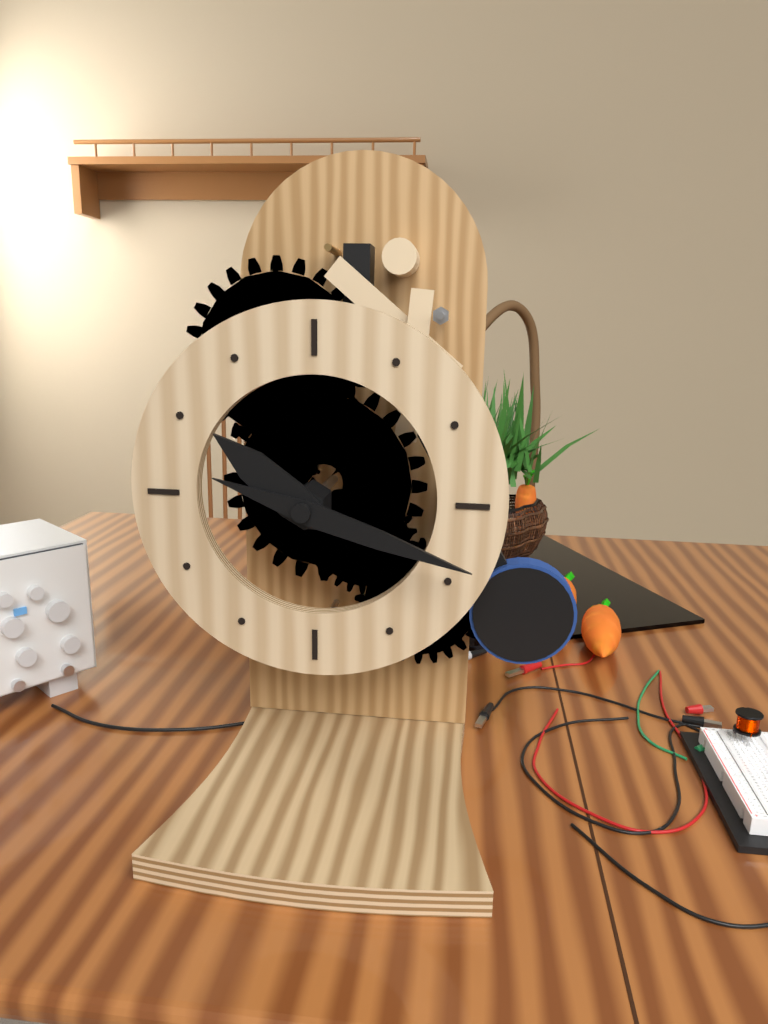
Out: **10:18**
